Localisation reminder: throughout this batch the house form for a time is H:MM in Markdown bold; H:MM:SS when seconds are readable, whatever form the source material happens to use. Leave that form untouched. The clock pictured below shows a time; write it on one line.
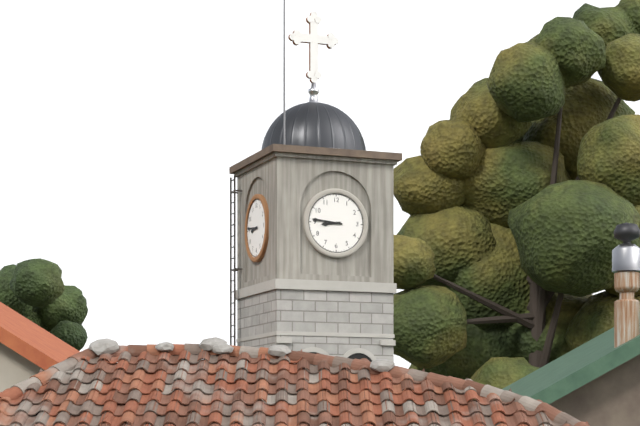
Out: **8:46**
